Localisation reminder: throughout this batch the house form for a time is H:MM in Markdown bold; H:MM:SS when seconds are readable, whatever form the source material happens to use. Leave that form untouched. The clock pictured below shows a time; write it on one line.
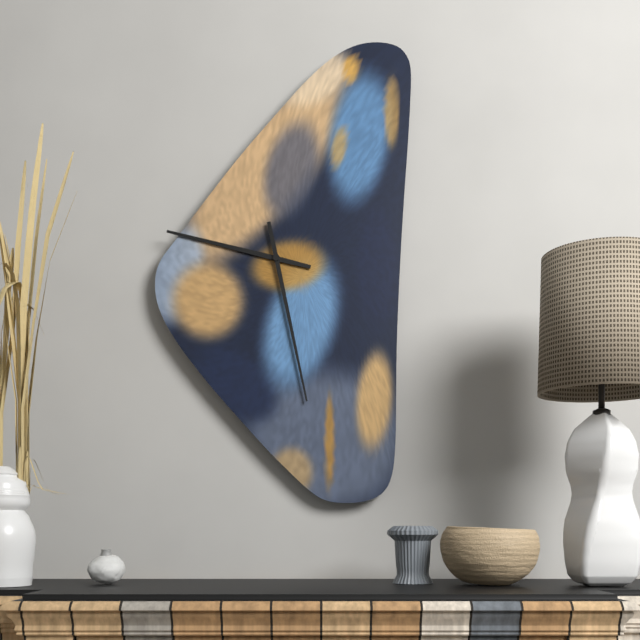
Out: **9:28**
